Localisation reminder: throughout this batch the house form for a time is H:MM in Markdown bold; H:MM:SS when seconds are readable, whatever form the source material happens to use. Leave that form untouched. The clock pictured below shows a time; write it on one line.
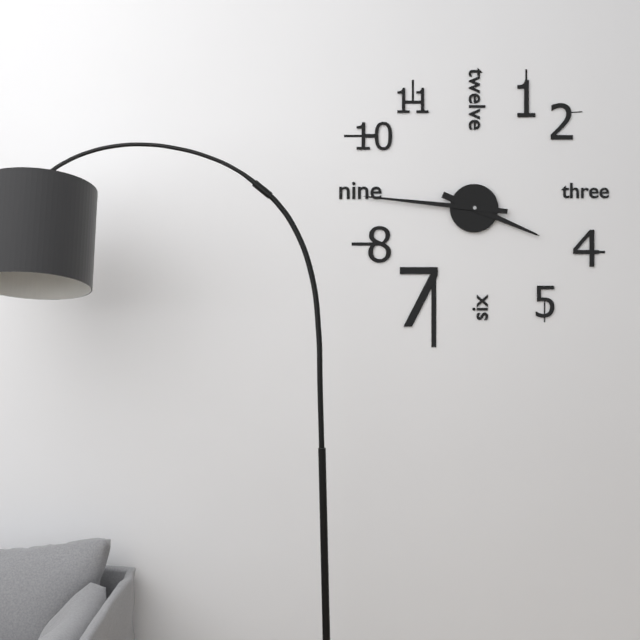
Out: **3:46**
